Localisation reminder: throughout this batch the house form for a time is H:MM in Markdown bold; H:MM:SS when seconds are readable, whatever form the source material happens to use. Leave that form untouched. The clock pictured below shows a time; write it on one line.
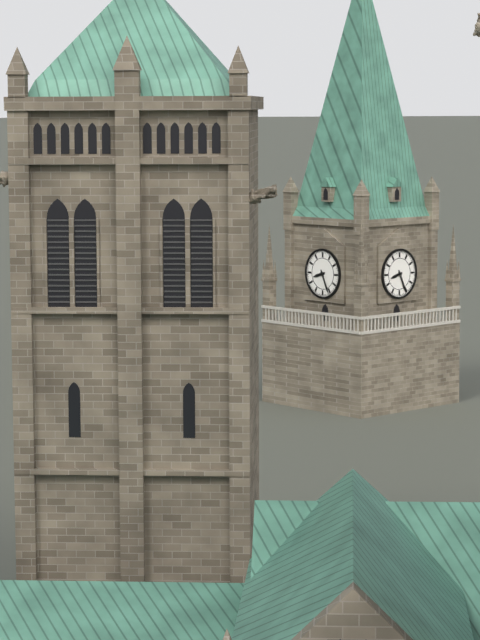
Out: **8:26**
